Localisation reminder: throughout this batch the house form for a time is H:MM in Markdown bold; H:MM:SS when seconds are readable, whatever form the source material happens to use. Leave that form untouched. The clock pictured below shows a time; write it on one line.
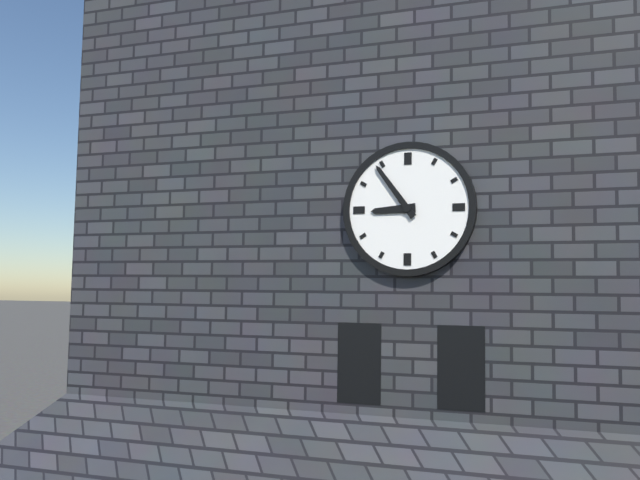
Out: **8:54**
